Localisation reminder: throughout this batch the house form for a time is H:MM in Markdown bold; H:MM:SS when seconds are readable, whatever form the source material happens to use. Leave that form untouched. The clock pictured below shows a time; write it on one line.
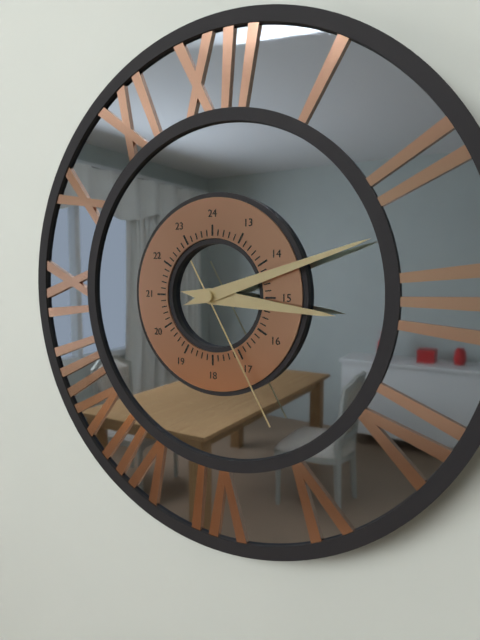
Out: **3:12:25**
